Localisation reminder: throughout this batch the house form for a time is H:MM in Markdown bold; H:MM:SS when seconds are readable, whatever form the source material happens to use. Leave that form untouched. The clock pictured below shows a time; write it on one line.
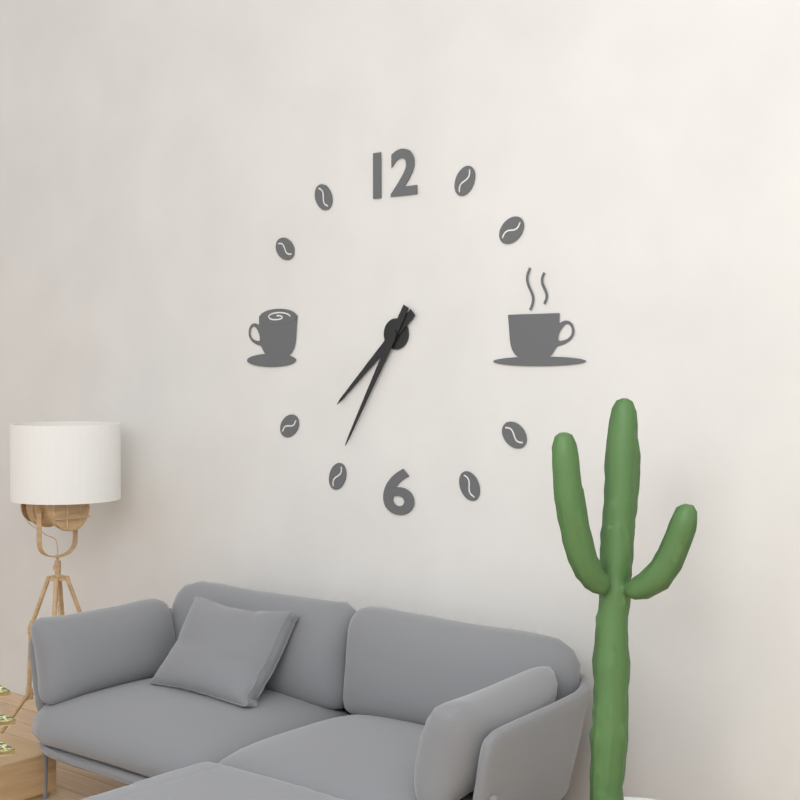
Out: **7:35**
